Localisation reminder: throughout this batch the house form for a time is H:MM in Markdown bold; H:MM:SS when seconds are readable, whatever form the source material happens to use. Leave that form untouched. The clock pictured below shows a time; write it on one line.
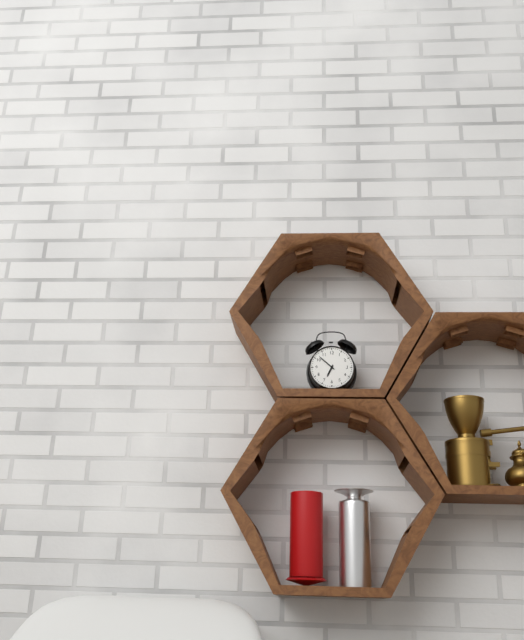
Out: **6:52**
